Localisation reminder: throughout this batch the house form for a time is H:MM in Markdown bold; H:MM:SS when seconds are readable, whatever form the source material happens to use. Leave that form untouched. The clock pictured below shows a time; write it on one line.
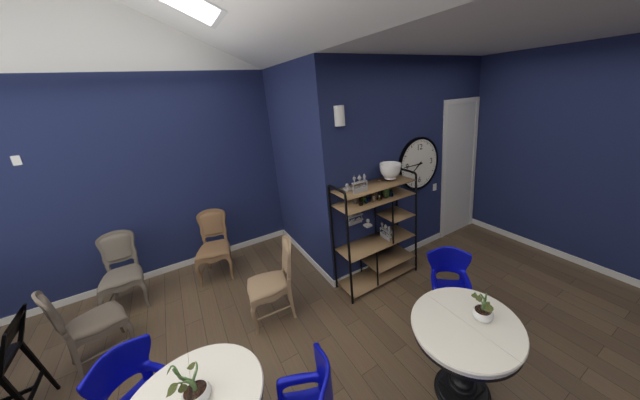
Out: **7:45**
